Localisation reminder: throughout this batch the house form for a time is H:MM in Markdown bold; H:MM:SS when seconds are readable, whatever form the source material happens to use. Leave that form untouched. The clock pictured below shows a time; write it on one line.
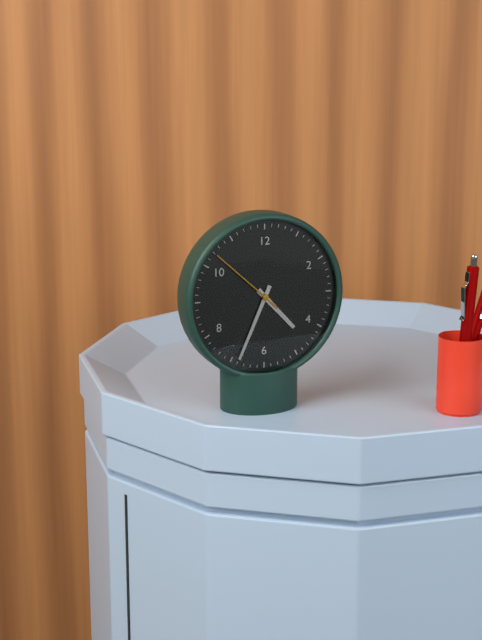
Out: **4:34:52**
